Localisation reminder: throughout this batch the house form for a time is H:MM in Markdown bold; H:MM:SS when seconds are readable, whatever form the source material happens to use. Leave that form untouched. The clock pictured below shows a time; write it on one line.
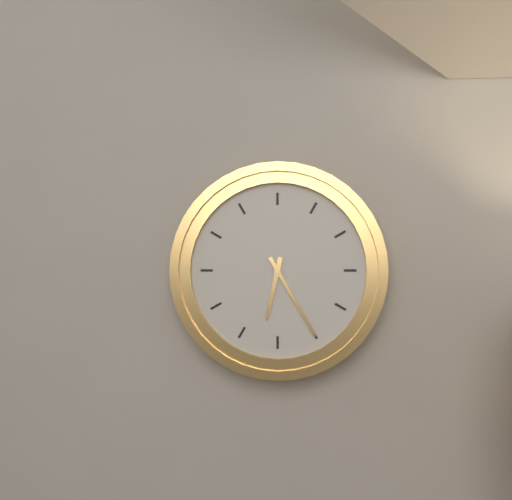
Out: **6:25**
